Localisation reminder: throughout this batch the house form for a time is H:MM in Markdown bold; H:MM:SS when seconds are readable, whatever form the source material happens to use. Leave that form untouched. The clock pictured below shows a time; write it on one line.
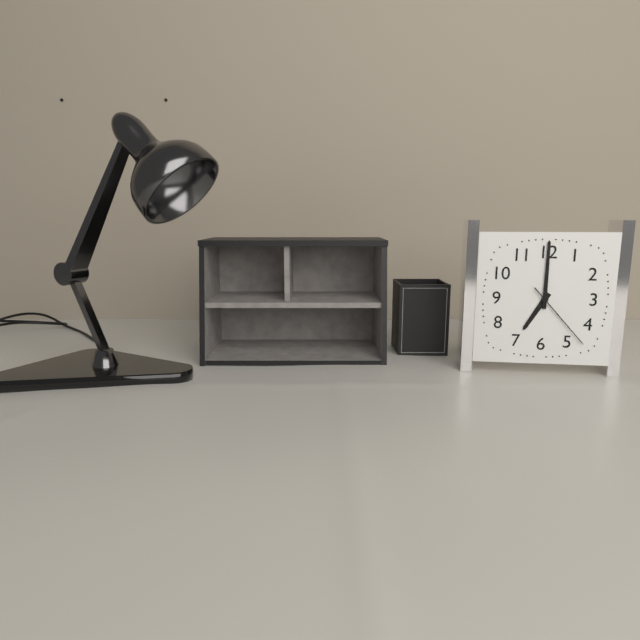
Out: **7:00:23**
